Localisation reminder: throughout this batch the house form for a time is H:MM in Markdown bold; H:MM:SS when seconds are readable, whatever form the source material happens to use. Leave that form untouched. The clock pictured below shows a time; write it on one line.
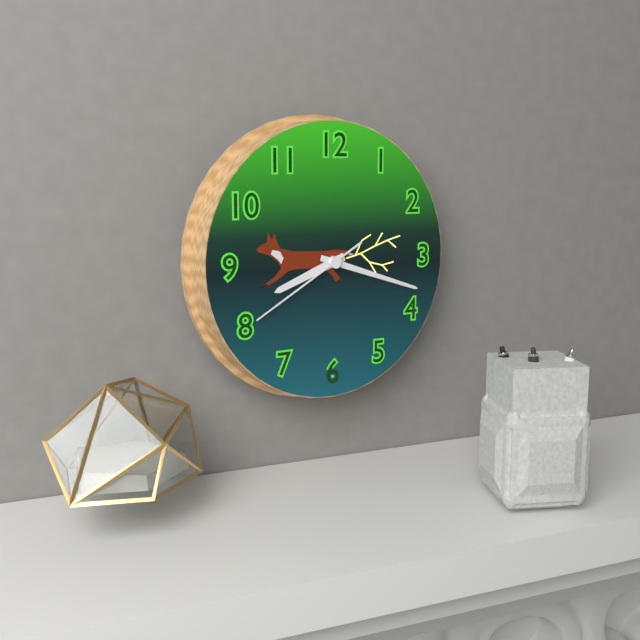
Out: **8:18:40**
